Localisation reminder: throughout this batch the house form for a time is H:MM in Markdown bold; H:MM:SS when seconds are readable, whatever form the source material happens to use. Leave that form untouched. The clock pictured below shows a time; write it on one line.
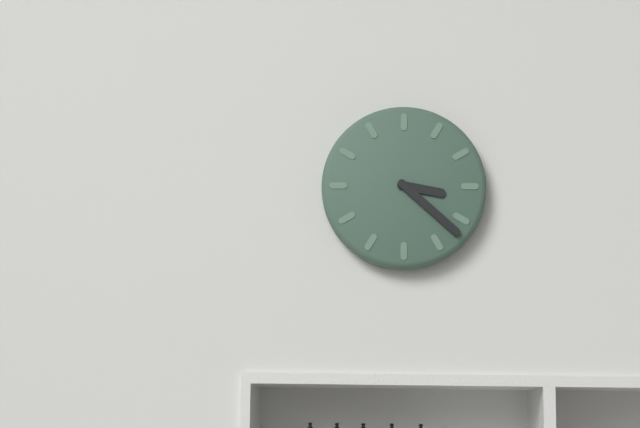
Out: **3:22**
